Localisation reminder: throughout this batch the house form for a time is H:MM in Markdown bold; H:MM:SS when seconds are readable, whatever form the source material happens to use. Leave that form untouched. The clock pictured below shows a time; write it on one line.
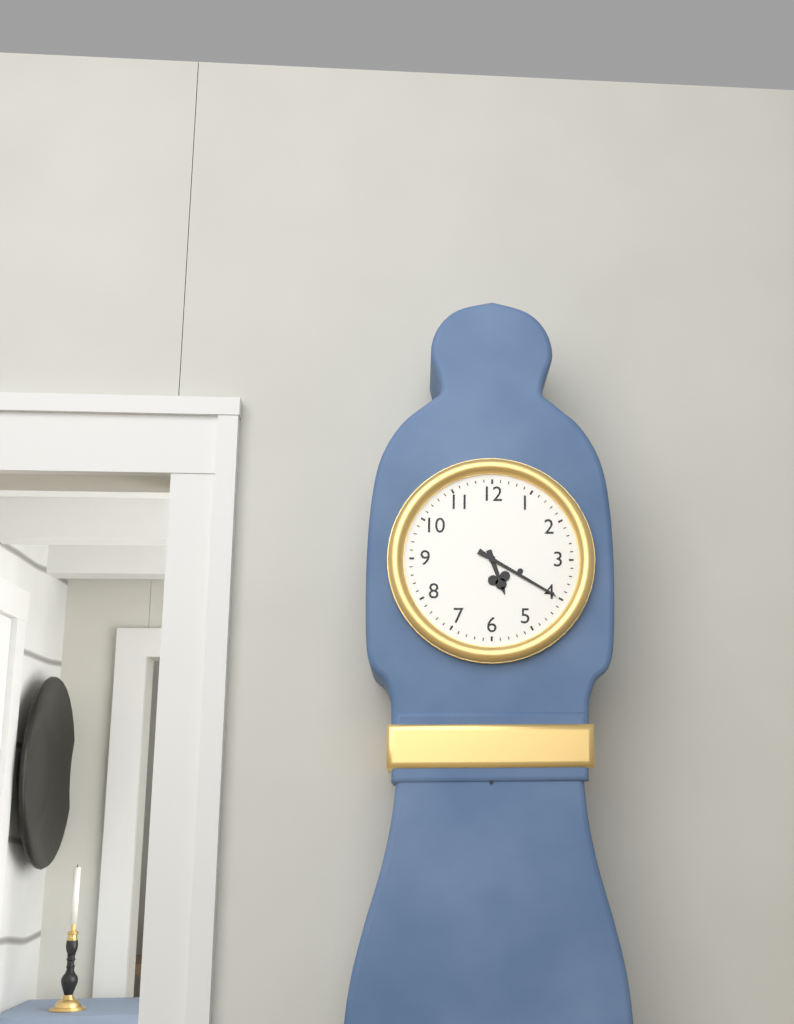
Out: **5:20**
